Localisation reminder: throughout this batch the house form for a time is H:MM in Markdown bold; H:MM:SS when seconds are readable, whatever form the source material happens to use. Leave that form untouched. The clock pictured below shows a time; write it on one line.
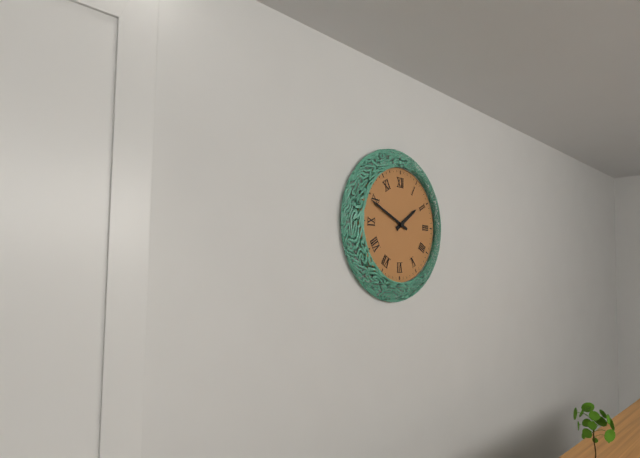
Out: **1:49**
